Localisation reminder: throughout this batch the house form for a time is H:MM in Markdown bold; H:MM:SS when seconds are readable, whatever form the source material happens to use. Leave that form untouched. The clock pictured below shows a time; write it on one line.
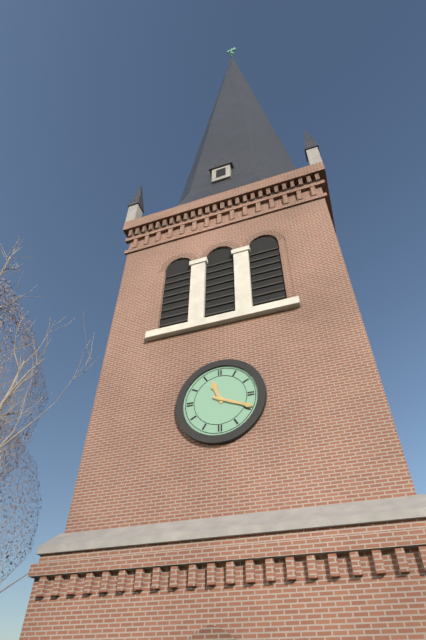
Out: **11:19**
